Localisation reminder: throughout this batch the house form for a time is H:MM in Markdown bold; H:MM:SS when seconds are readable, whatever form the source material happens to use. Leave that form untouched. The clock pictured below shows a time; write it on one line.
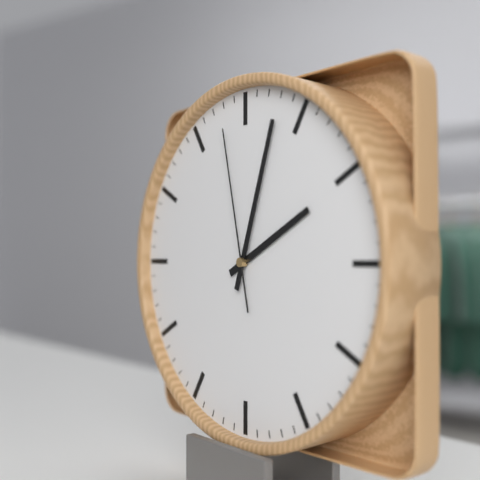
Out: **2:03:58**
